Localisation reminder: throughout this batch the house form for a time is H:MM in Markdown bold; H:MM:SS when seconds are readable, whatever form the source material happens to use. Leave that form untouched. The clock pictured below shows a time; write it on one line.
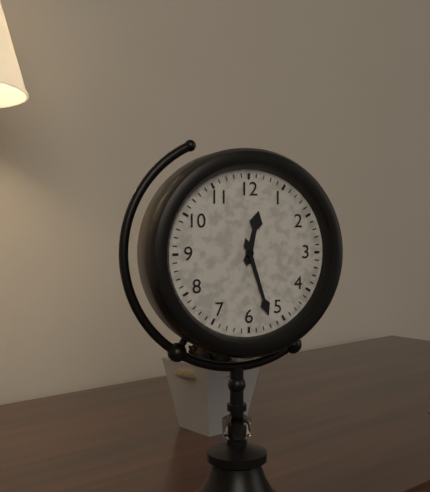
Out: **12:27**
